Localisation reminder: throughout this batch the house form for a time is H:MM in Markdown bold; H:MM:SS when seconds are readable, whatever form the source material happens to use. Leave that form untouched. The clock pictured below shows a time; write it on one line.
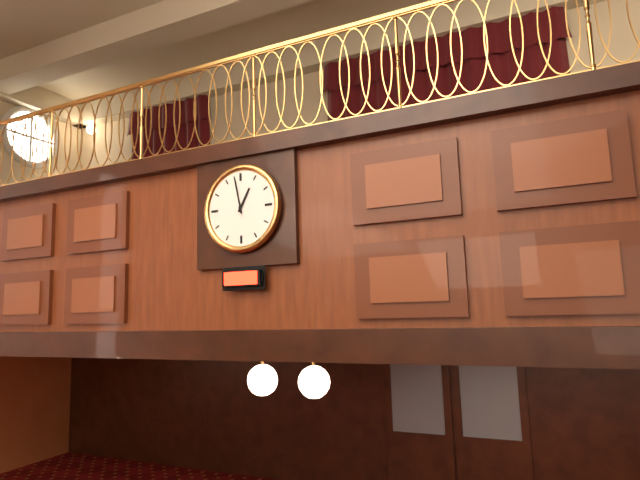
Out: **12:58**
